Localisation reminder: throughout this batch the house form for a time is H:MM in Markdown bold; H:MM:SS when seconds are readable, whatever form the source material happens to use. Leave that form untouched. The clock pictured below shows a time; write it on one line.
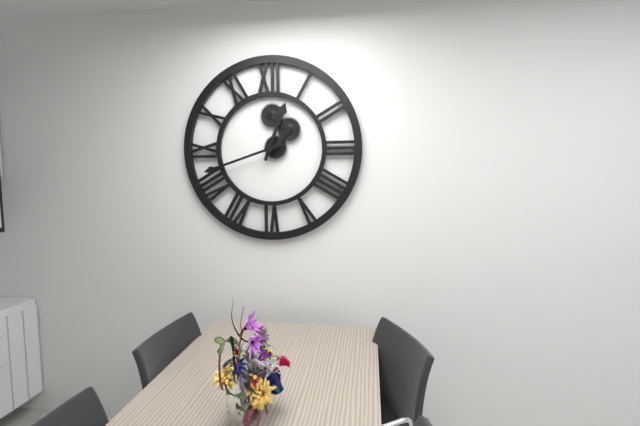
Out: **12:42**
